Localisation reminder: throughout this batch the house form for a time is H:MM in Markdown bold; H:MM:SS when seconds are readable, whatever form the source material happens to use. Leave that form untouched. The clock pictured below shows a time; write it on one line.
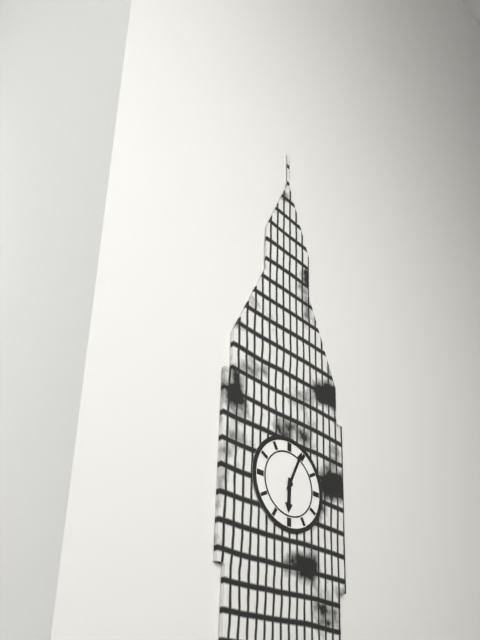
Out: **6:04**
